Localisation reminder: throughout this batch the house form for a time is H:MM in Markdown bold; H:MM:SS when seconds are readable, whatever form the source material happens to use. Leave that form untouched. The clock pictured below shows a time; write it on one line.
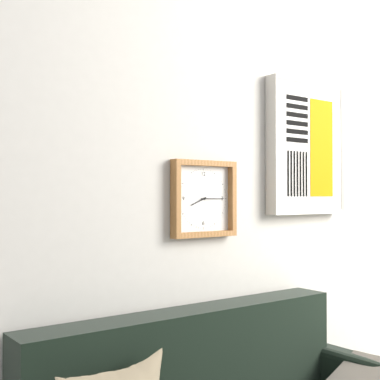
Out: **8:15**
